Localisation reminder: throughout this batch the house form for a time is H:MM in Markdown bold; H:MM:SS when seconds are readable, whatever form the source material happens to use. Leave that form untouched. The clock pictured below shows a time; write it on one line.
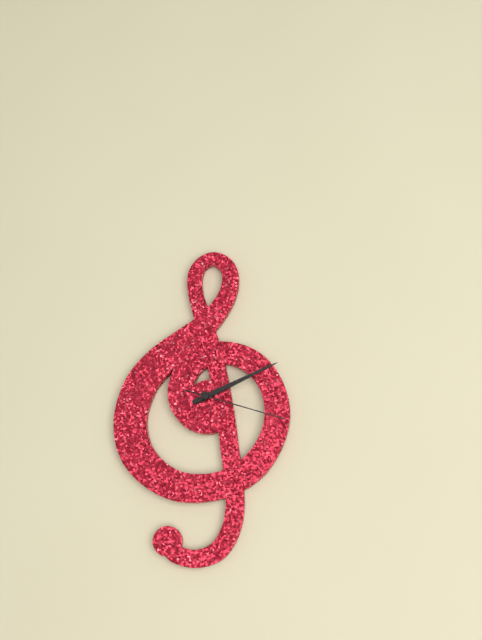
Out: **2:11:18**
